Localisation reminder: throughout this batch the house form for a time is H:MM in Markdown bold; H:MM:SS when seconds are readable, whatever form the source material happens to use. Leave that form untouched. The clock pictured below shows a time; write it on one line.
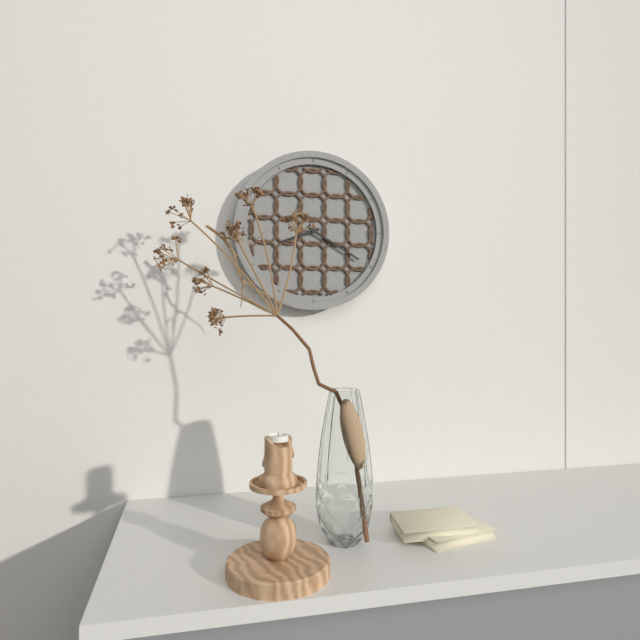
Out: **8:20**
